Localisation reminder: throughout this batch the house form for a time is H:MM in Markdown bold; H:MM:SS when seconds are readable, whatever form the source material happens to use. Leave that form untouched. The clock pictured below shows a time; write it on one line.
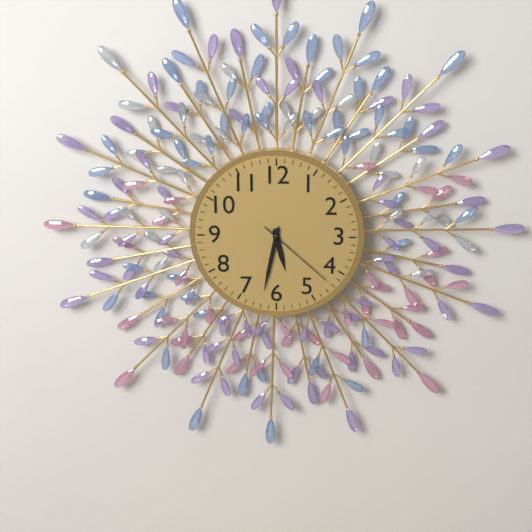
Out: **5:32:22**
